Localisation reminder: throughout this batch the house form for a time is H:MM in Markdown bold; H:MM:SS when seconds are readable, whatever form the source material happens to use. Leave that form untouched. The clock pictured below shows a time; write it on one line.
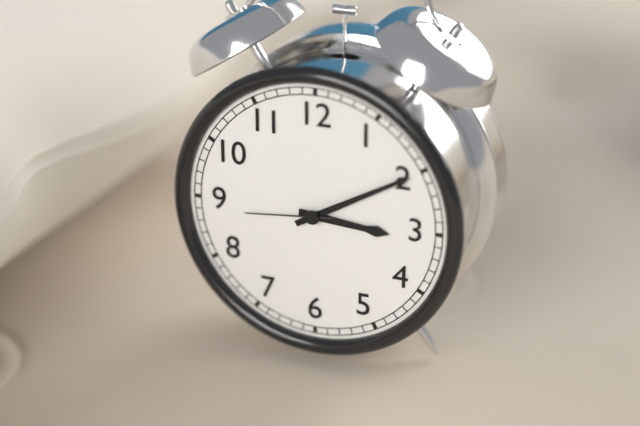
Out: **3:10:44**
